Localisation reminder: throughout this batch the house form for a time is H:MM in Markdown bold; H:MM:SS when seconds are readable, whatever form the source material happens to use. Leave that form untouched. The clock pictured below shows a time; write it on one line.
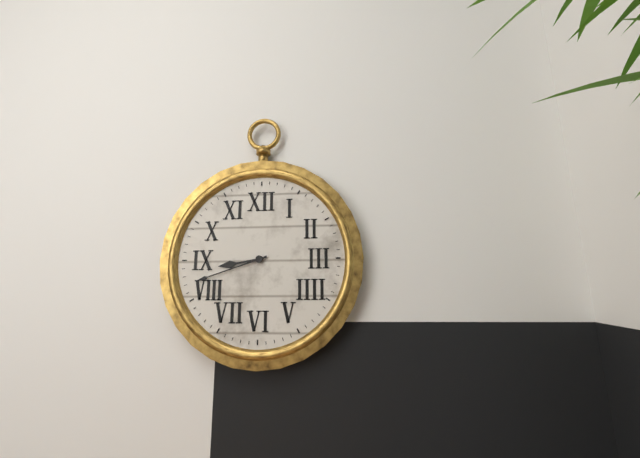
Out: **8:42**
